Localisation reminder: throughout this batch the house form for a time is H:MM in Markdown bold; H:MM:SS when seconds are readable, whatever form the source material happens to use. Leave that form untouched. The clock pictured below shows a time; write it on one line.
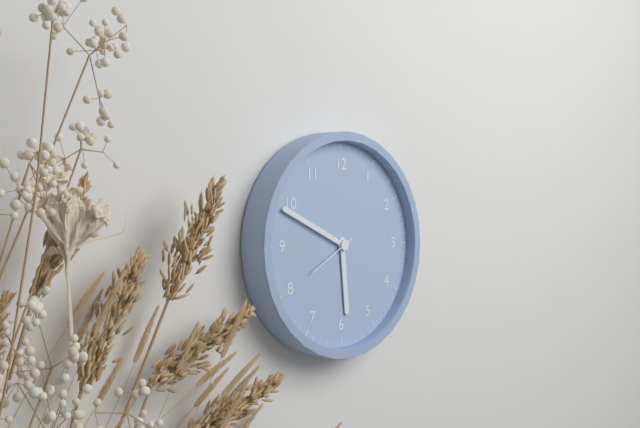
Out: **5:49:40**
